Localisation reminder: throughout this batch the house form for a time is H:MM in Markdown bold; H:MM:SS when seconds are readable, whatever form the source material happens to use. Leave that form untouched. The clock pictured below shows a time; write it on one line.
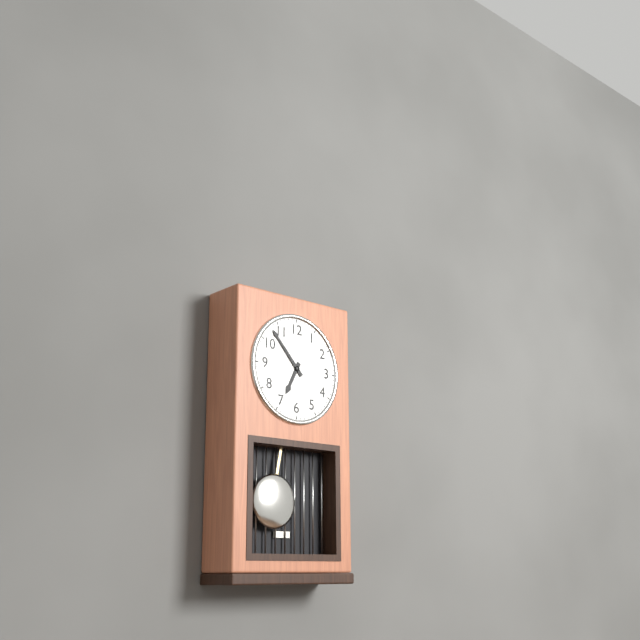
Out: **6:53**
